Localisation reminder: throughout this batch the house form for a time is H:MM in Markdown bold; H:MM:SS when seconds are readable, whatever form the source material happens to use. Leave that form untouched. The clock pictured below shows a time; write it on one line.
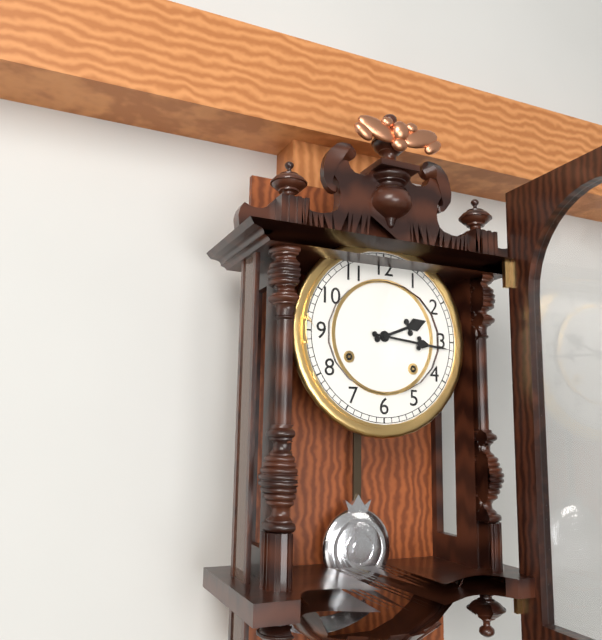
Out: **2:16**
